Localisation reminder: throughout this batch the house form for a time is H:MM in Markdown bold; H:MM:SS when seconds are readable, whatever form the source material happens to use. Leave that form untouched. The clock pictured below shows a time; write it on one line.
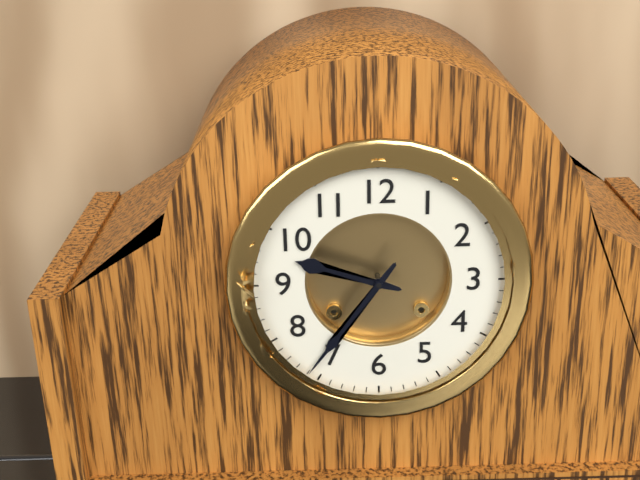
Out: **9:36**
